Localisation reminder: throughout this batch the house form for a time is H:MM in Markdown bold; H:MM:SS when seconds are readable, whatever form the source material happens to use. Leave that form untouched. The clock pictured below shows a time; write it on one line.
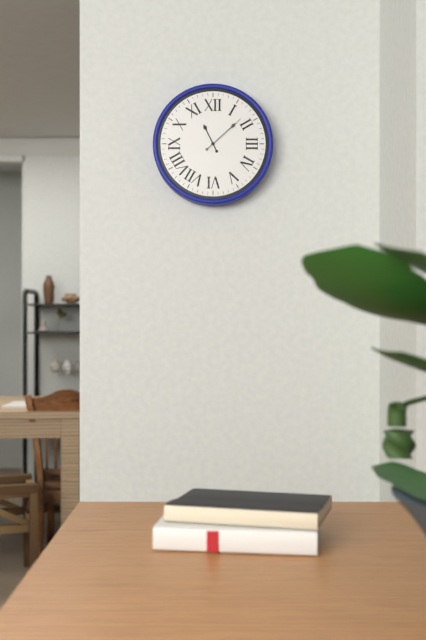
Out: **11:08**
